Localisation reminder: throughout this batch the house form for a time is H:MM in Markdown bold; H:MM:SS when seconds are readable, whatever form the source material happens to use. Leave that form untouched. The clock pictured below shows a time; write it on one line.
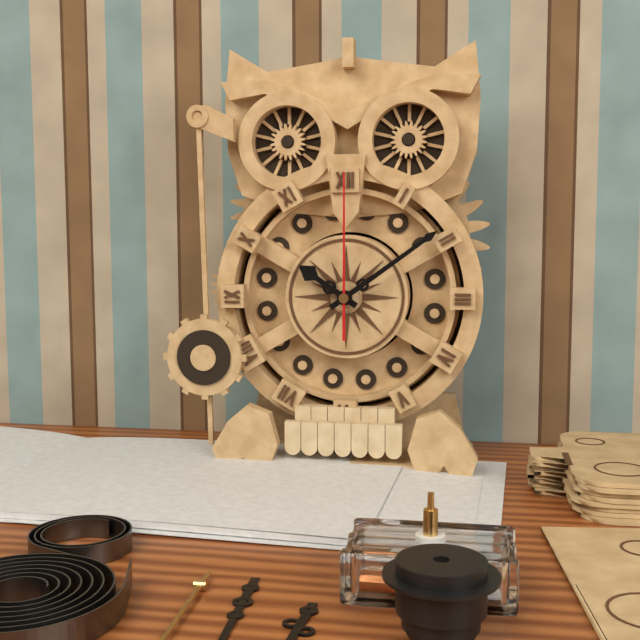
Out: **10:09:00**
